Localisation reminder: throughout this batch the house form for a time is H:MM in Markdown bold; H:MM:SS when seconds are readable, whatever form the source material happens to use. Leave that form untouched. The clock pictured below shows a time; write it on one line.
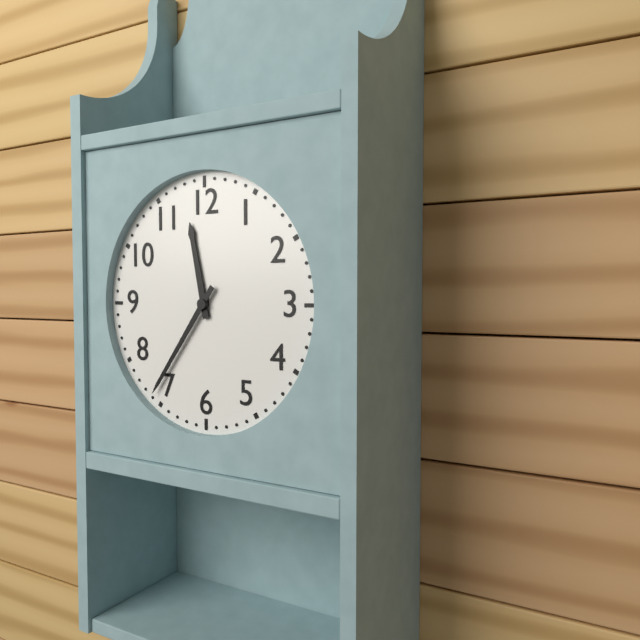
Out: **11:36**
